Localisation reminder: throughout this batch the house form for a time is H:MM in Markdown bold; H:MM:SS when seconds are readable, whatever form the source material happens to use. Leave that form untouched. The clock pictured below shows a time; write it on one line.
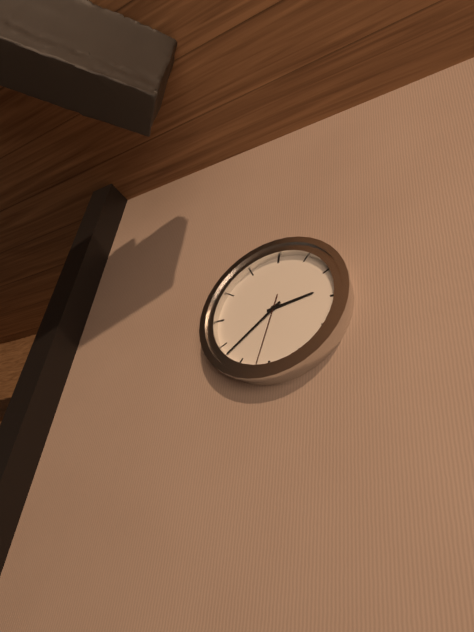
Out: **2:38:32**
